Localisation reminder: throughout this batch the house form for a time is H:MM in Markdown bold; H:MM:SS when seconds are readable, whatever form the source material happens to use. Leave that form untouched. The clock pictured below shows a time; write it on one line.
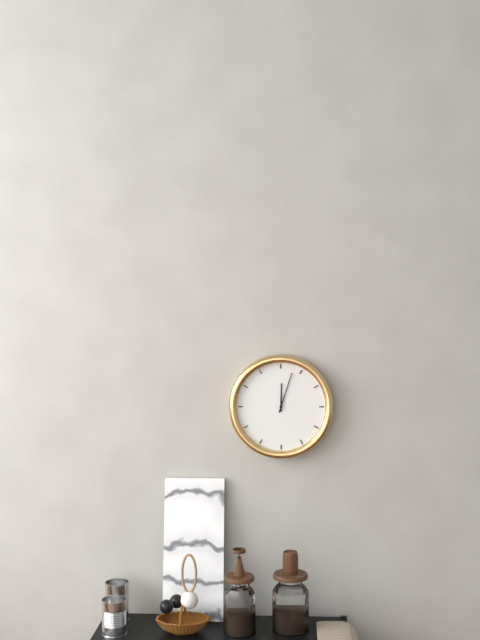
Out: **12:03**
